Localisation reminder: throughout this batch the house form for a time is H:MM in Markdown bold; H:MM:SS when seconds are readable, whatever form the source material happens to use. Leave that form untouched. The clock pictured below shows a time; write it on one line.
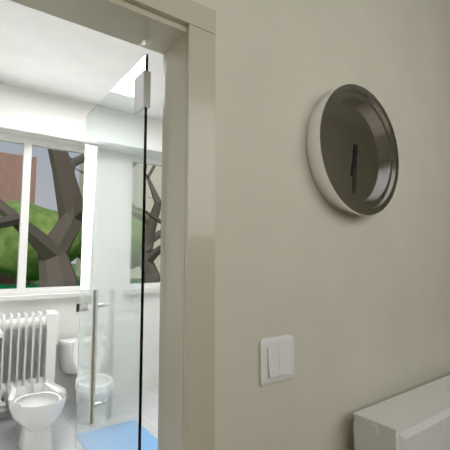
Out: **6:31**
